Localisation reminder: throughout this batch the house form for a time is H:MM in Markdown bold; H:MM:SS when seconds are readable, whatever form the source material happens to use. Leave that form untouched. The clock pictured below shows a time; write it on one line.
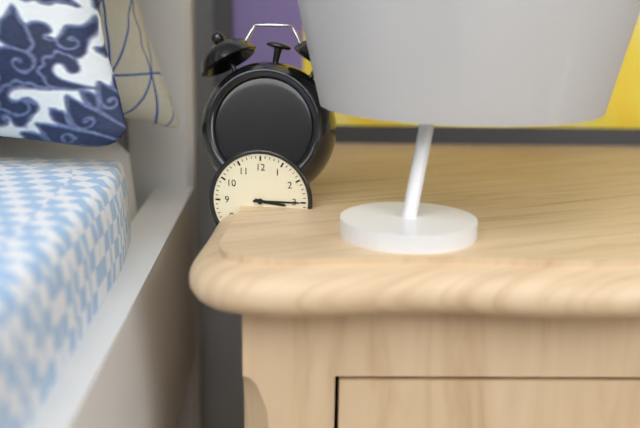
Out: **3:15**
